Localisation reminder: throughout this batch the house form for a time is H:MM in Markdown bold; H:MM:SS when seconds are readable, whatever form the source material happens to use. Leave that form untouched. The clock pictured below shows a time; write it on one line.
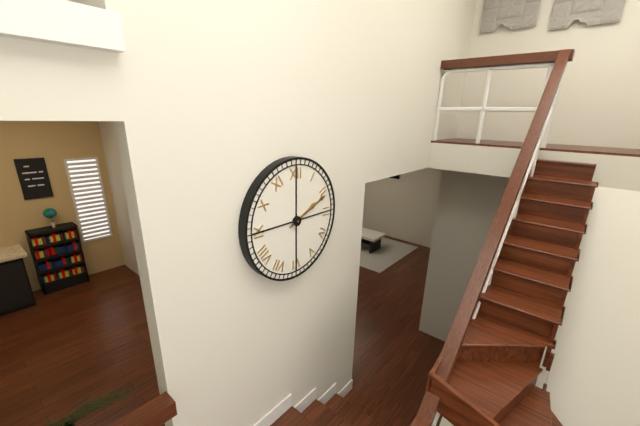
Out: **2:11**
